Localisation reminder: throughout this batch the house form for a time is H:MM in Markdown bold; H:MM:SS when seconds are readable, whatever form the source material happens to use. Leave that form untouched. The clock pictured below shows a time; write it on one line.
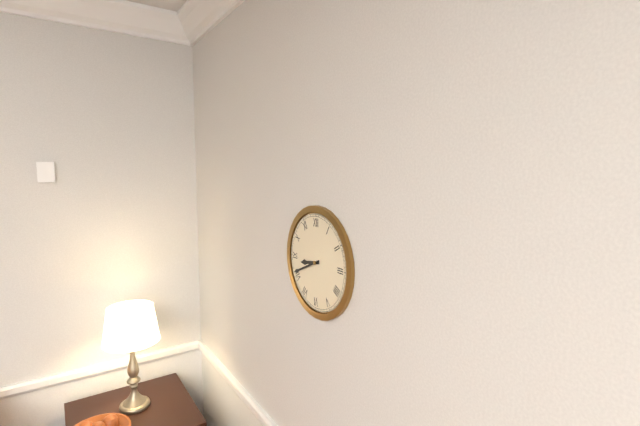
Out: **8:41**
